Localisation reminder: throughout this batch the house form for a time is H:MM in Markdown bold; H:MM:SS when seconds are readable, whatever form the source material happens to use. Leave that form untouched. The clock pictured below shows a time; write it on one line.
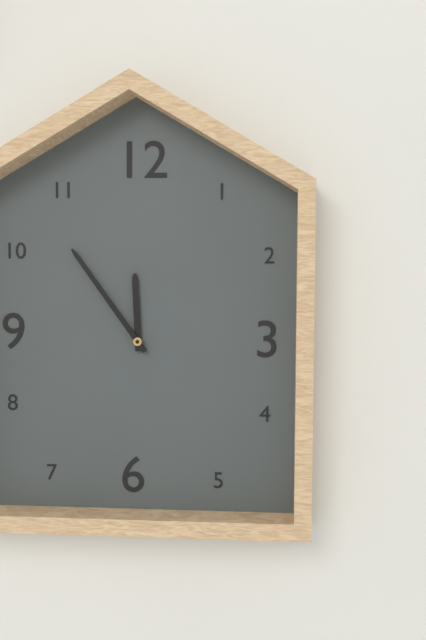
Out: **11:54**
